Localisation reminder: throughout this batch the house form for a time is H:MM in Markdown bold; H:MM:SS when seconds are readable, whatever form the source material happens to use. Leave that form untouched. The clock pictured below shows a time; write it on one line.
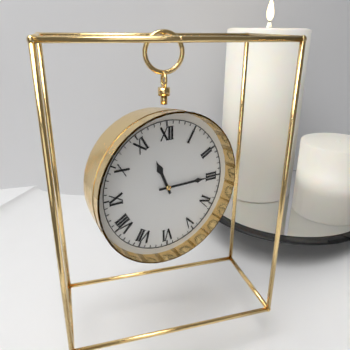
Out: **11:15**
